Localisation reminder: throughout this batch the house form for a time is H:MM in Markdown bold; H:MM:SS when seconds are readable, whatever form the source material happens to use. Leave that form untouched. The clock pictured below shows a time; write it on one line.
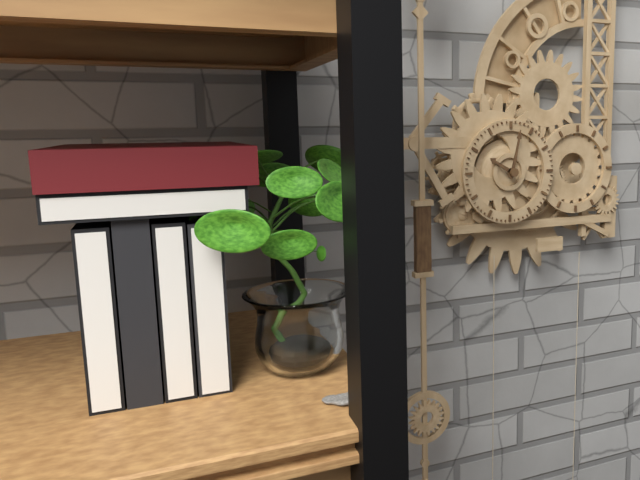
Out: **10:02**
